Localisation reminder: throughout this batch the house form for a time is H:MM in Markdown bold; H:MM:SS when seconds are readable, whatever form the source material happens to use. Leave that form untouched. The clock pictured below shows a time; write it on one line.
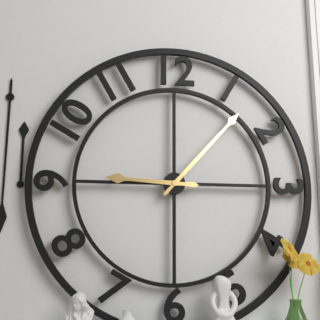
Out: **9:07**
